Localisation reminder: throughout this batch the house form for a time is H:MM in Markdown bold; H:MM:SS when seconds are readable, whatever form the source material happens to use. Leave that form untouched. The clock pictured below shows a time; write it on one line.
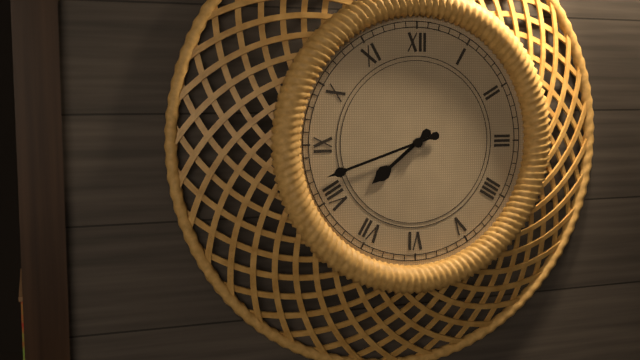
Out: **7:42**
